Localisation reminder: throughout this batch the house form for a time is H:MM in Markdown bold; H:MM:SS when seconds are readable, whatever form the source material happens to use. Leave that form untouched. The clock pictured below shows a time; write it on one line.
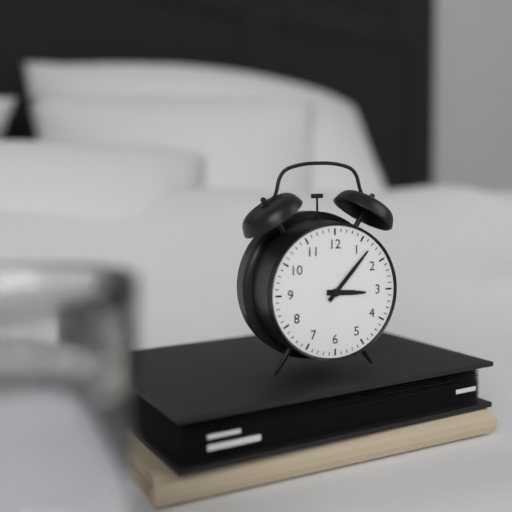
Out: **3:07**
